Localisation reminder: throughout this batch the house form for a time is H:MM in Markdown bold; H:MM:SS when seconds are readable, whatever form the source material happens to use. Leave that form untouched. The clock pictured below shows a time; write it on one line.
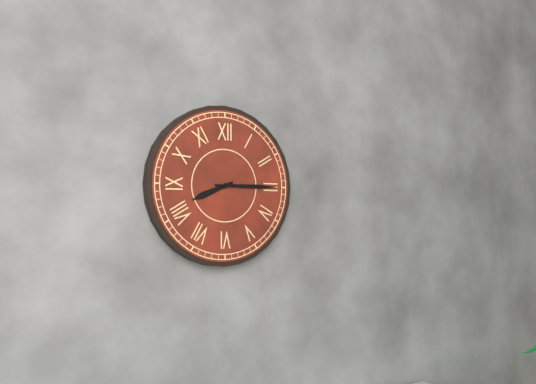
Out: **8:15**
